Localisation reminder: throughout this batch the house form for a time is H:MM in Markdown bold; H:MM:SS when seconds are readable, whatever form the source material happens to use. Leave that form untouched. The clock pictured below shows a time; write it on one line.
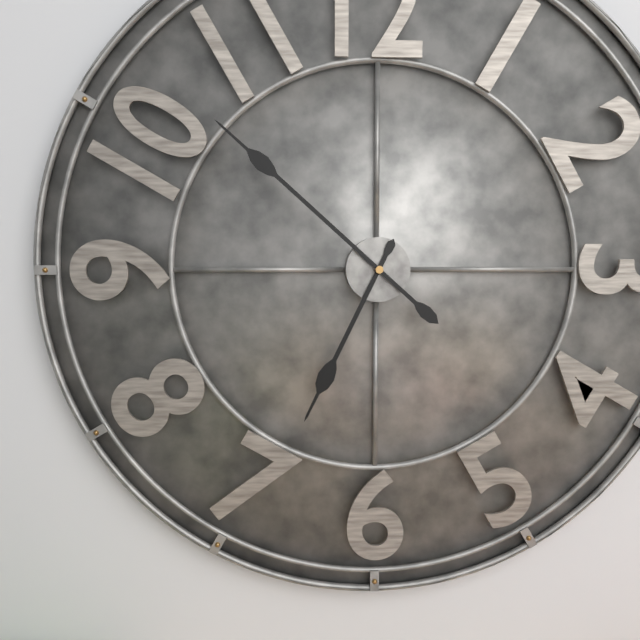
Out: **6:52**
